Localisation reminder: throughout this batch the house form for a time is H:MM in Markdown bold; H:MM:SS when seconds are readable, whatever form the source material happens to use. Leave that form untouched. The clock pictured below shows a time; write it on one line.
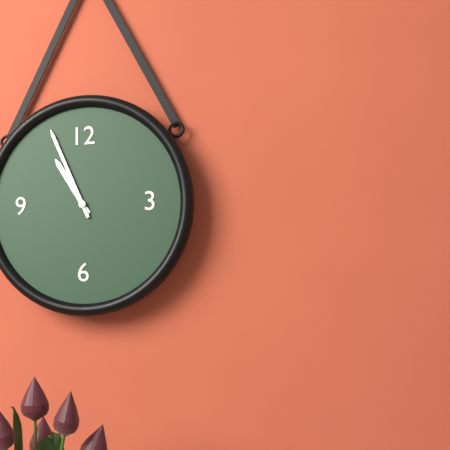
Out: **10:56**
